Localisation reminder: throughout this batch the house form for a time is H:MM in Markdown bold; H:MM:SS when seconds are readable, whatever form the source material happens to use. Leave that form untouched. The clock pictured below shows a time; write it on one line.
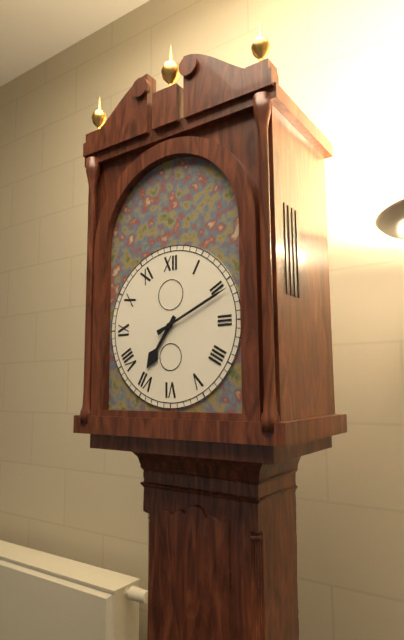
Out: **7:11**
